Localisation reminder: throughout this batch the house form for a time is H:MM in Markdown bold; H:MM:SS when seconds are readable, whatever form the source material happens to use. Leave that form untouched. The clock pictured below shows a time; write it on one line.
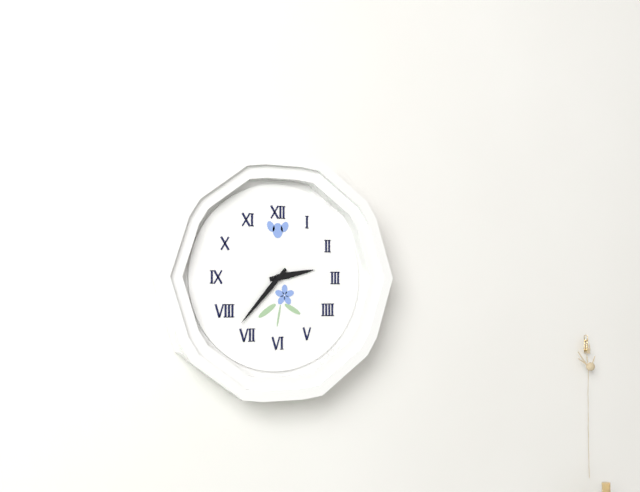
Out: **2:37**
